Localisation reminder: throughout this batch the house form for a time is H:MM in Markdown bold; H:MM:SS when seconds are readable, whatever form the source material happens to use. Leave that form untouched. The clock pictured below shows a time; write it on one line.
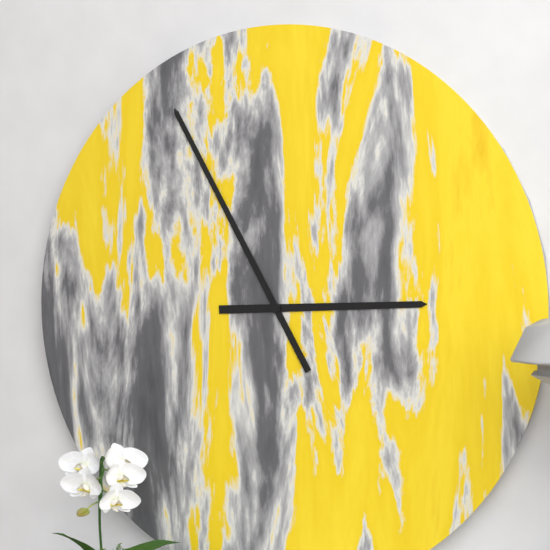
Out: **2:55**
